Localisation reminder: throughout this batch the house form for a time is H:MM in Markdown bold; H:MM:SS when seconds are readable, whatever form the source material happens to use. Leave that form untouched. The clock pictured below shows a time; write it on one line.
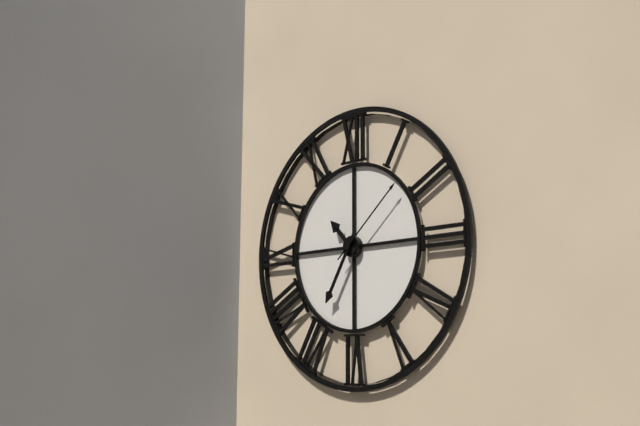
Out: **10:35:08**
